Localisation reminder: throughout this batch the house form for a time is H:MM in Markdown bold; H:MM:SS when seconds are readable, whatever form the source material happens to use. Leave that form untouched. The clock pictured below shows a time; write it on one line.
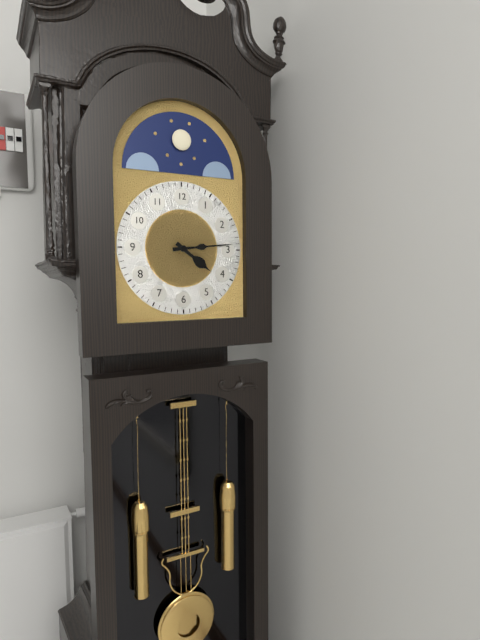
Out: **4:14**
